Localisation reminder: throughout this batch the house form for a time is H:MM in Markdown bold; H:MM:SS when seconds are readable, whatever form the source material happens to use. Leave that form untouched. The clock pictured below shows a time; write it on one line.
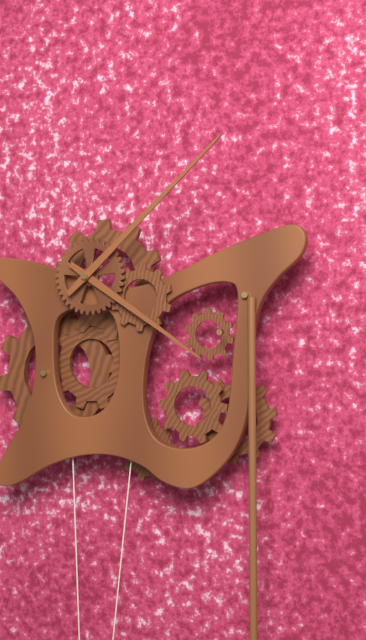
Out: **4:08**
